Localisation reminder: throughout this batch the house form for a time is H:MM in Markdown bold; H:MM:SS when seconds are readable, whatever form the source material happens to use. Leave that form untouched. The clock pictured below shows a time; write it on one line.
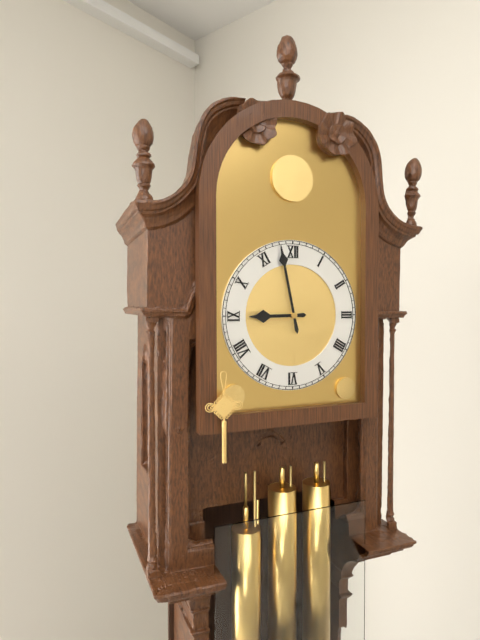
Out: **8:58**
